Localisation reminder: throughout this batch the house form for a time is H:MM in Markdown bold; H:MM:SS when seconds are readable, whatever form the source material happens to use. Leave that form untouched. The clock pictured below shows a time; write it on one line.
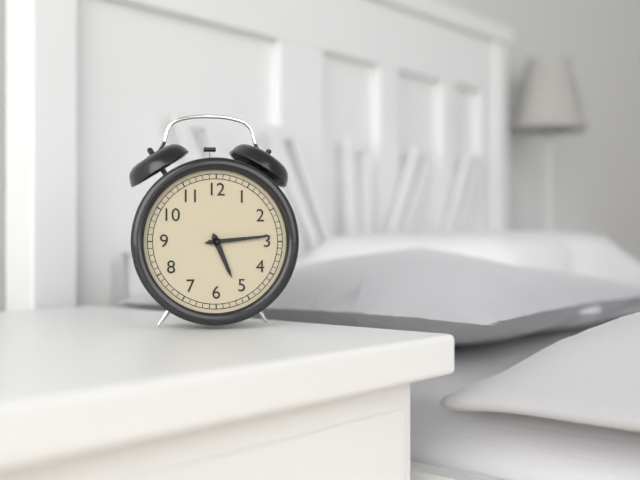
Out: **5:14**
